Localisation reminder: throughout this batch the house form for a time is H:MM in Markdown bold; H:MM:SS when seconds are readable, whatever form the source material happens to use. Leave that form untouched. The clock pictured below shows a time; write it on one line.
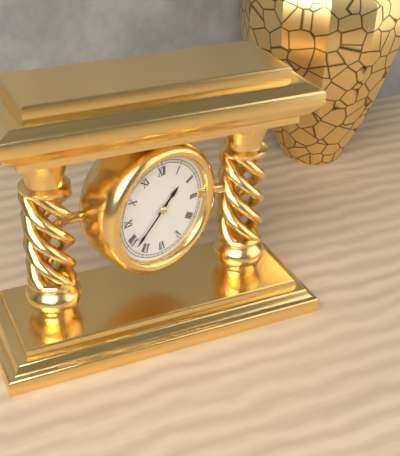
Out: **1:38**
